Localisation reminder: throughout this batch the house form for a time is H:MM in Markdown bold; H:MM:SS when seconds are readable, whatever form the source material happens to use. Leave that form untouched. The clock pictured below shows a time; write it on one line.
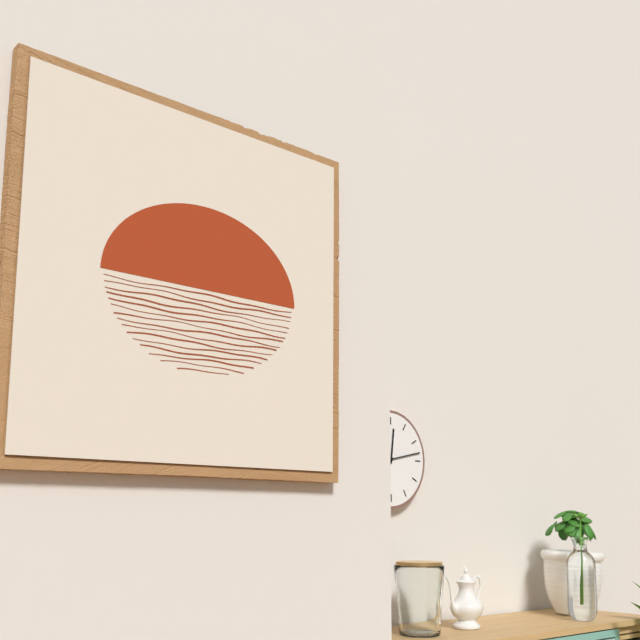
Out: **12:13**
